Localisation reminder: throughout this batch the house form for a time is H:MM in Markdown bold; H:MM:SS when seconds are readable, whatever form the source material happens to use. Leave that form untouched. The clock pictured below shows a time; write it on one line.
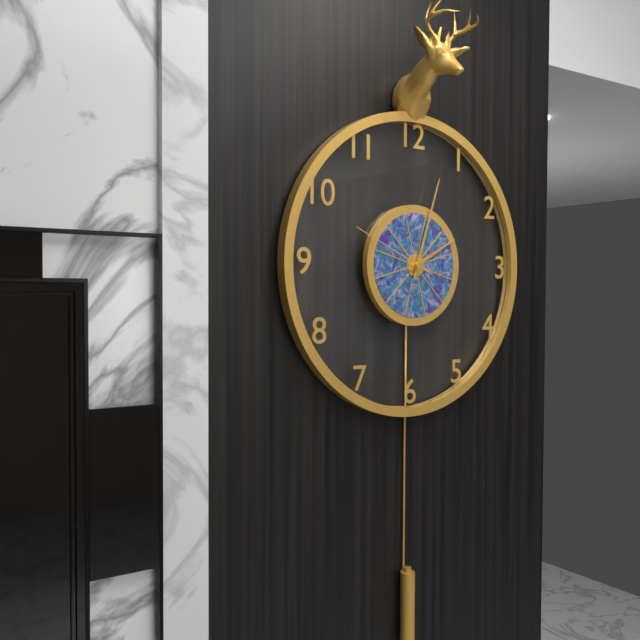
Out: **2:03:49**
